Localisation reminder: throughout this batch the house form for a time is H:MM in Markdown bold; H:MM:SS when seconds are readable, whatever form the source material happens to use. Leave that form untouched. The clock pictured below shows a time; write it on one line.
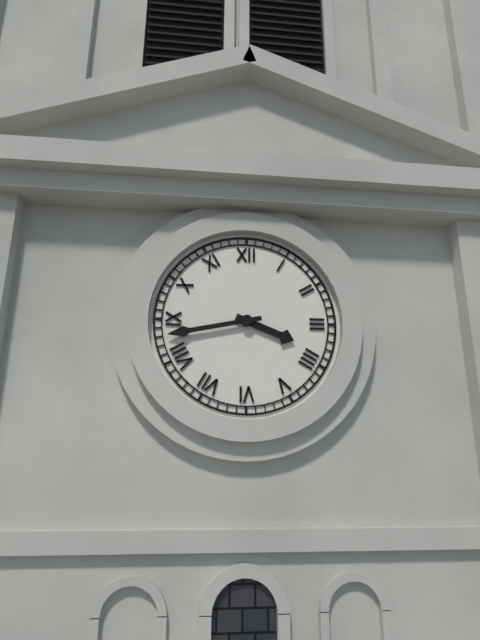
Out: **3:43**
